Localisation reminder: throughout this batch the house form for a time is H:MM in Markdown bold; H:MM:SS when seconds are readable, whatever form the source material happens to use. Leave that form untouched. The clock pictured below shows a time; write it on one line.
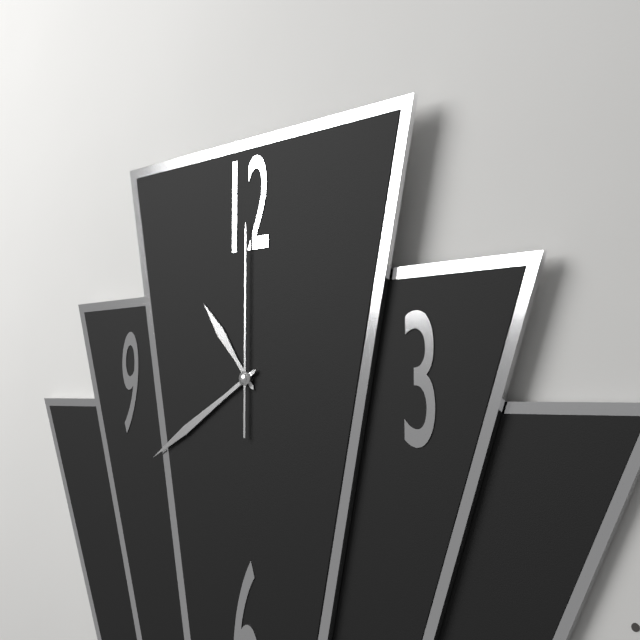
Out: **10:40:00**
